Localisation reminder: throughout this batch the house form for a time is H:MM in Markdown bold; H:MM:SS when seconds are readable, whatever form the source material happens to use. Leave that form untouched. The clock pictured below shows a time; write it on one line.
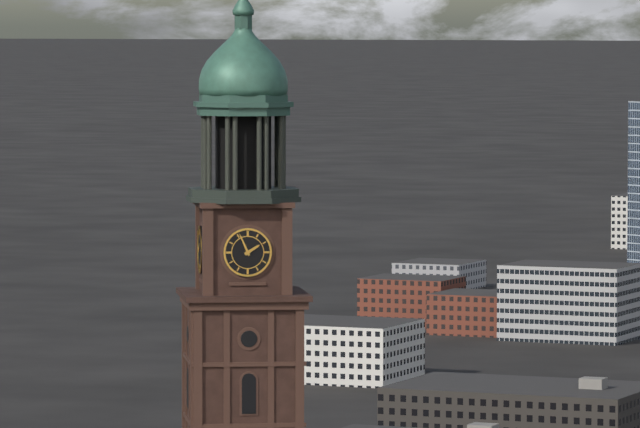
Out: **1:56**
